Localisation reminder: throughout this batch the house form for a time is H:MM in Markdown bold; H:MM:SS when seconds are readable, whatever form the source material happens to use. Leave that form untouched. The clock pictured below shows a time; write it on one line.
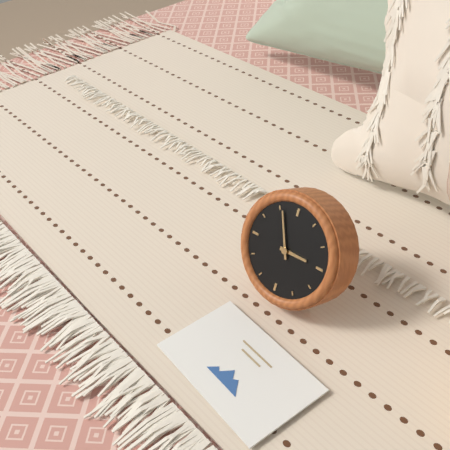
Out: **2:56**
